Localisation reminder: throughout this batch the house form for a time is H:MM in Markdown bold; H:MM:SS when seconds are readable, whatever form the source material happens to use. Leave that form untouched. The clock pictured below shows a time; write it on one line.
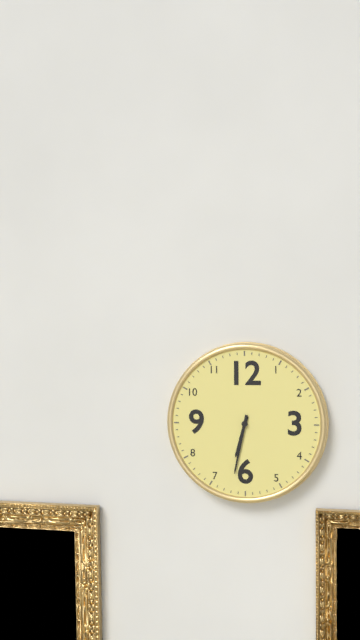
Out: **6:32**
